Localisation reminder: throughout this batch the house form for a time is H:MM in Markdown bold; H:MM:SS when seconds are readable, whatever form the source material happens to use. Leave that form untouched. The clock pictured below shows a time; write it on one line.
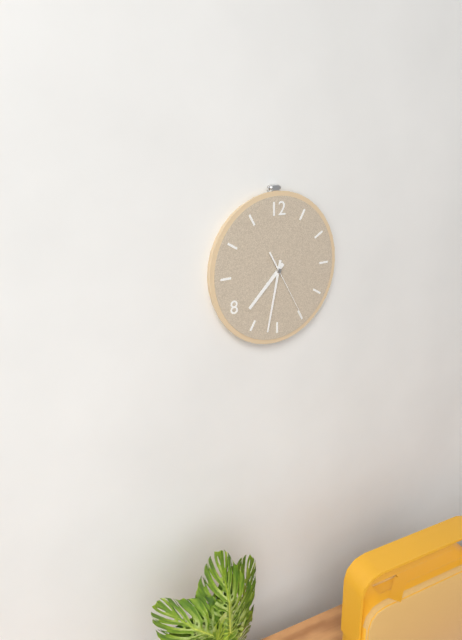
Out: **7:32:25**
